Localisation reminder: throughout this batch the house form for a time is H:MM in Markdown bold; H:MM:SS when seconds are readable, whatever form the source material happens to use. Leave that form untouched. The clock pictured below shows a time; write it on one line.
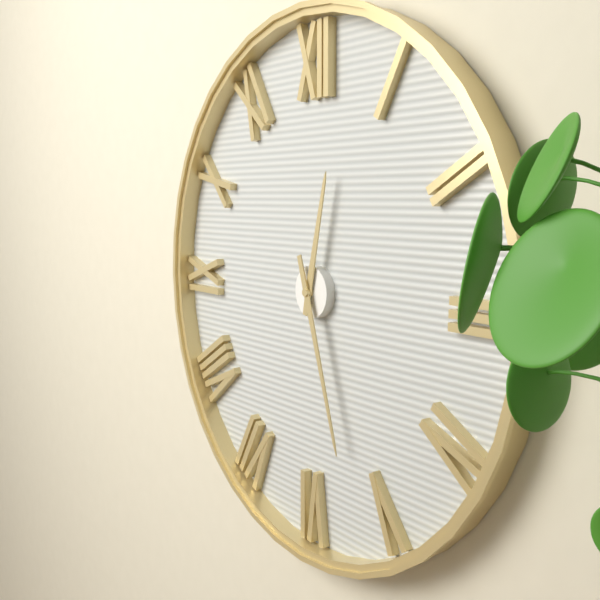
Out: **12:27**
